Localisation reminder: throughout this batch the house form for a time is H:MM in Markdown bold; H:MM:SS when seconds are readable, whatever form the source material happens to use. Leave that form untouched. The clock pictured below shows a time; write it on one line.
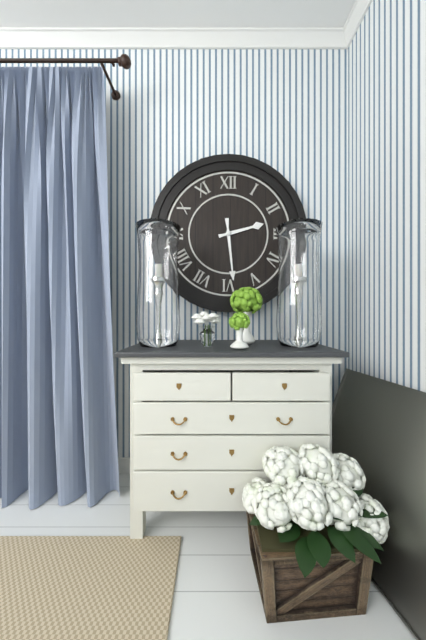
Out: **2:29**
